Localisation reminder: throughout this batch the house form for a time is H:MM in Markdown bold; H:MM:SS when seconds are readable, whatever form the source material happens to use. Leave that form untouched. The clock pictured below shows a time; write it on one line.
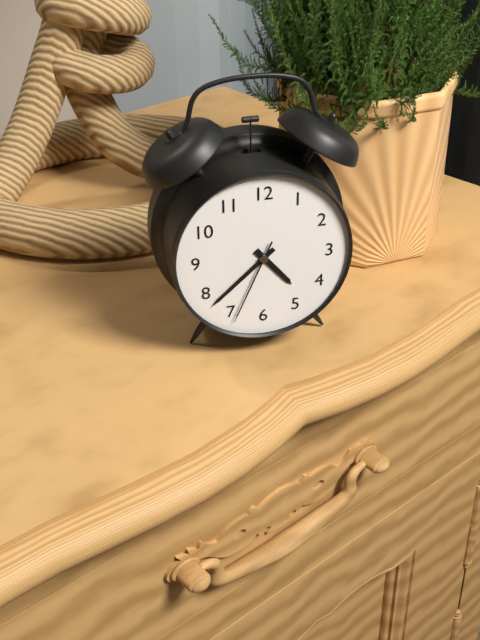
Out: **4:38:34**
